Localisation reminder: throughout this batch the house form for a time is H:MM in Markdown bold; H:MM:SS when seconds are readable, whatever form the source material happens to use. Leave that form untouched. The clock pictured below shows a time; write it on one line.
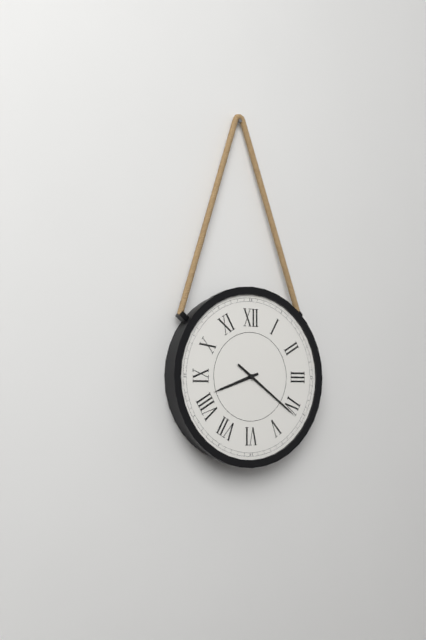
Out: **8:21**
